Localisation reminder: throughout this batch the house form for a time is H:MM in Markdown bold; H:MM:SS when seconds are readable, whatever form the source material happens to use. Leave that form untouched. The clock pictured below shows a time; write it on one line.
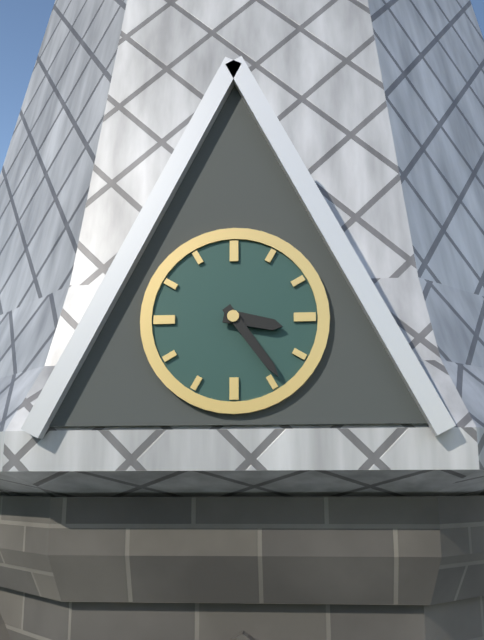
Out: **3:24**
